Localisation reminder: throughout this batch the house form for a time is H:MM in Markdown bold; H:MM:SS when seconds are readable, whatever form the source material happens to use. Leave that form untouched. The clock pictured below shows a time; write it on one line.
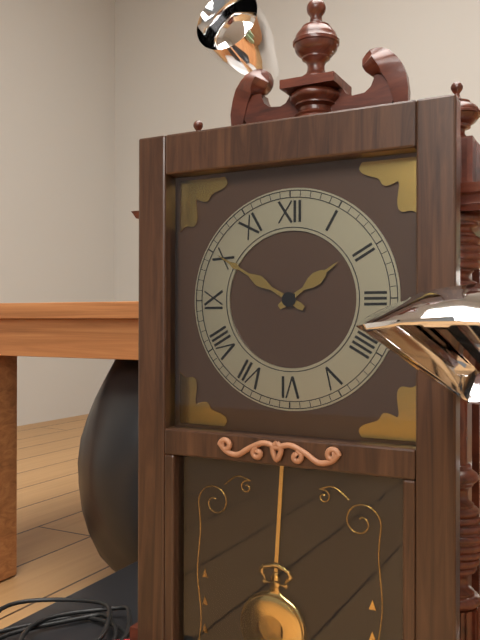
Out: **1:50**
